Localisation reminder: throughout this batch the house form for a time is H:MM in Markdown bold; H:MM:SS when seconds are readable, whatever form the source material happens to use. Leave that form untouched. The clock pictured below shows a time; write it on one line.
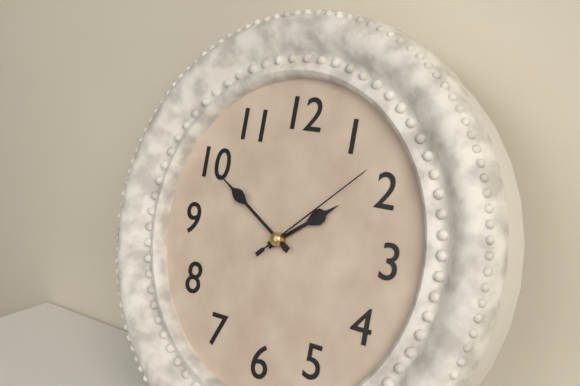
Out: **1:50:08**
